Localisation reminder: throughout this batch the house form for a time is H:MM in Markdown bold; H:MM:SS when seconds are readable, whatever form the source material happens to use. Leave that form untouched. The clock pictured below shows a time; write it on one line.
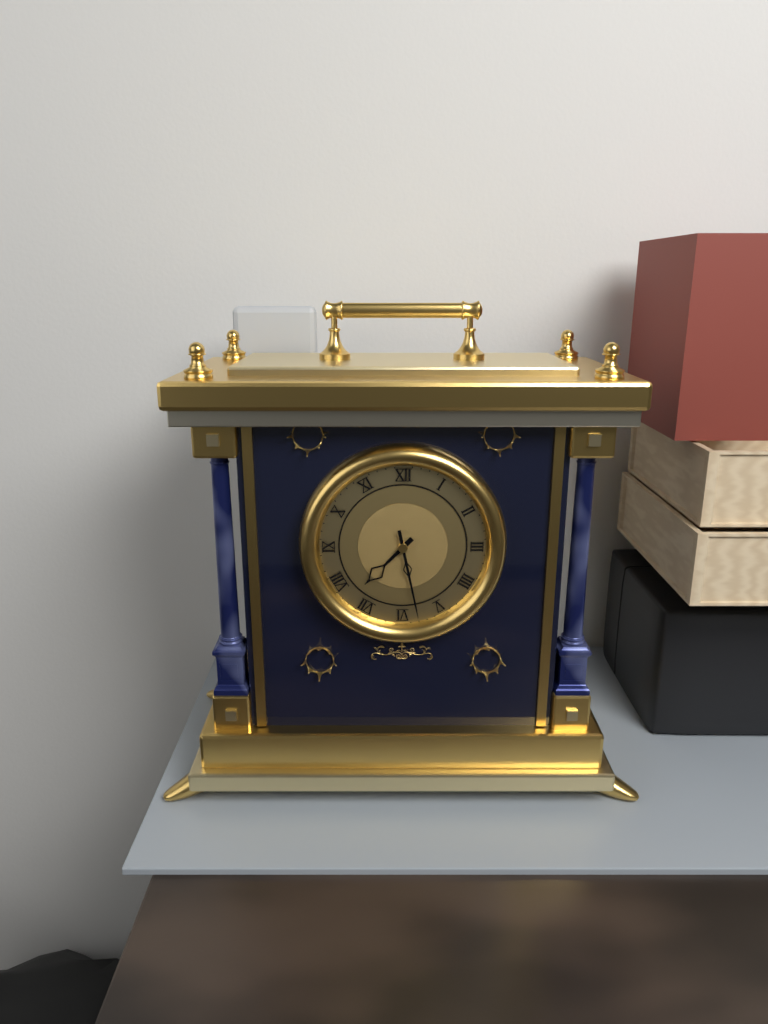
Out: **7:28**
